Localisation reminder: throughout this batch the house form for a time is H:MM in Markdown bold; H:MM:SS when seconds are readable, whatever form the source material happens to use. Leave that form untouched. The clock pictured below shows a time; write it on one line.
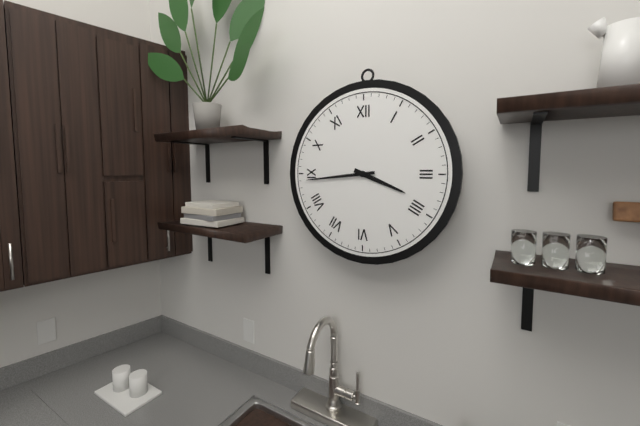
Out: **3:44**
